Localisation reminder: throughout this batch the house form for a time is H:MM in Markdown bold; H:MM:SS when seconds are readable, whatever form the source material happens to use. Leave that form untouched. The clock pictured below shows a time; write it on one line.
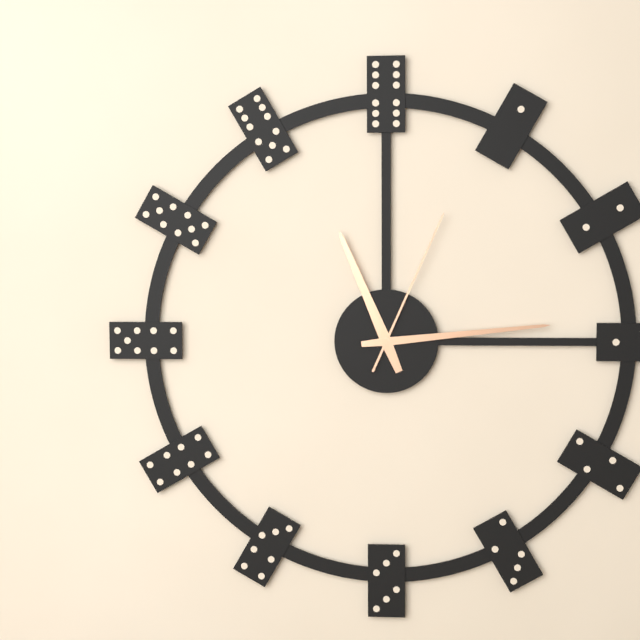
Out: **11:14:04**
